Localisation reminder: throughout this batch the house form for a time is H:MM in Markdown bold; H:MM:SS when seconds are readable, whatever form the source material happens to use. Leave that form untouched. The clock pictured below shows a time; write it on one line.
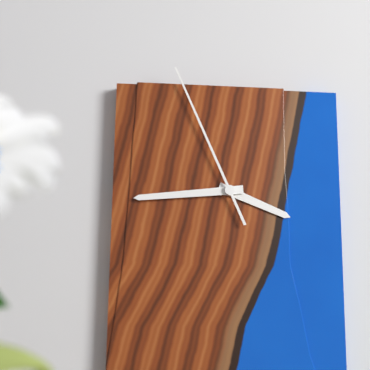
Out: **3:44:56**
